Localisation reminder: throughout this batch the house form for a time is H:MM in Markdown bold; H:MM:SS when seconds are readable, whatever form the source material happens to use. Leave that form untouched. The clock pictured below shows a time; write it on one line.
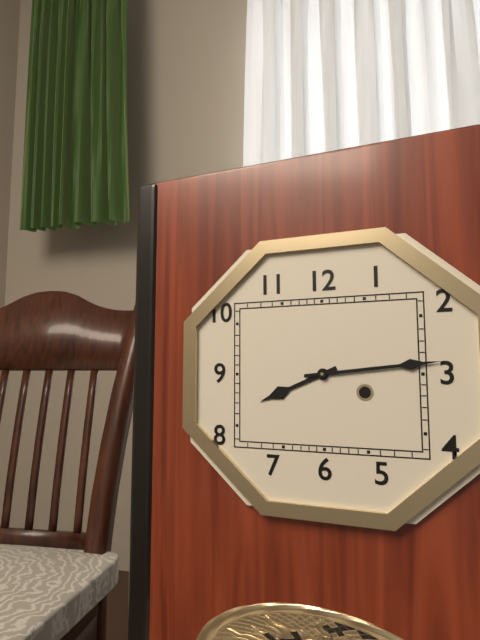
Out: **8:14**
